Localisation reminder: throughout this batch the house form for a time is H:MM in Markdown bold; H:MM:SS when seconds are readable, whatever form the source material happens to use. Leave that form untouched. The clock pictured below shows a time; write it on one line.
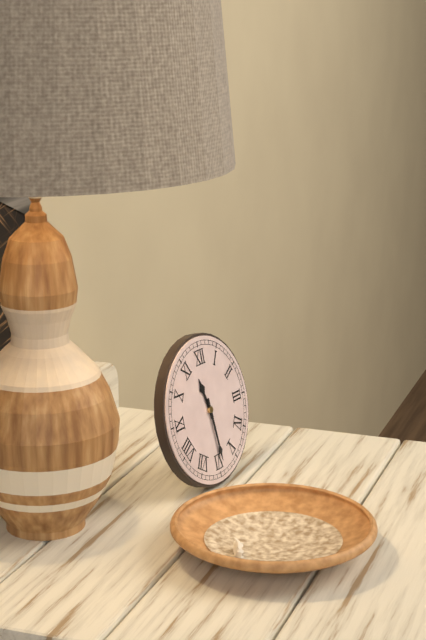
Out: **11:29**
